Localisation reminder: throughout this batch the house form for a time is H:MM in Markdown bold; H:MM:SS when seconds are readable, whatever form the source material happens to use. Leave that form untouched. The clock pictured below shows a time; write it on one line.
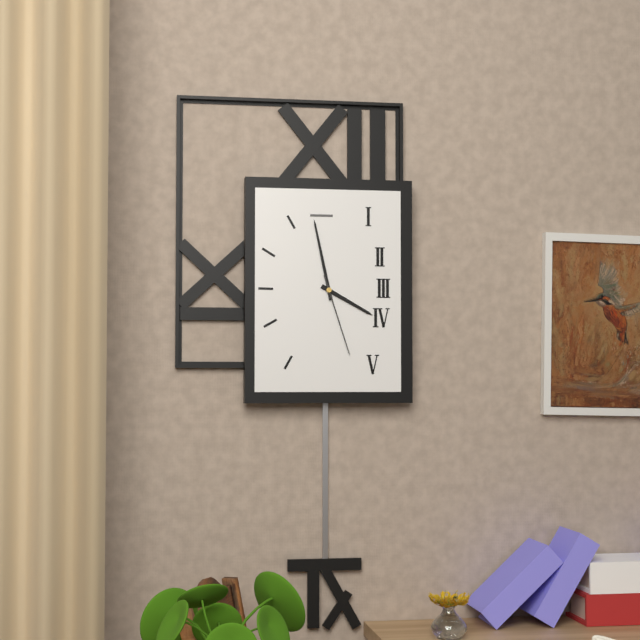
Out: **3:58:27**
